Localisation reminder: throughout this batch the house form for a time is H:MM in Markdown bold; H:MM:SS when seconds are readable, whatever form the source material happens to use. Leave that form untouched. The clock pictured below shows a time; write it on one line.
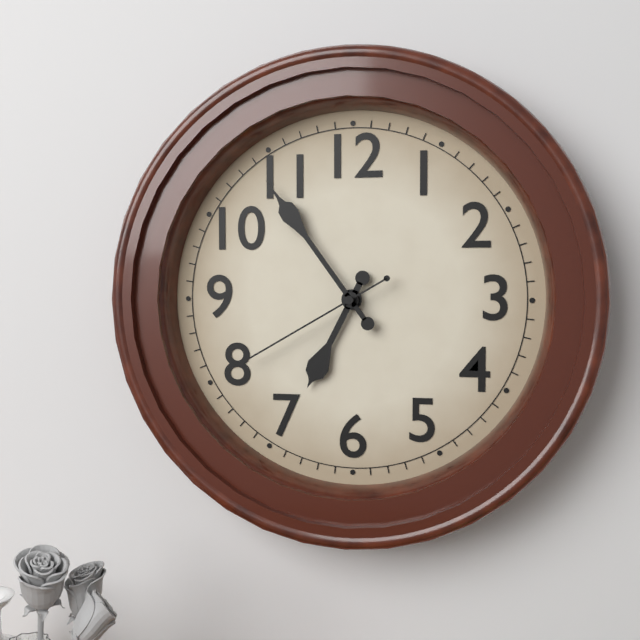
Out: **6:54:40**
